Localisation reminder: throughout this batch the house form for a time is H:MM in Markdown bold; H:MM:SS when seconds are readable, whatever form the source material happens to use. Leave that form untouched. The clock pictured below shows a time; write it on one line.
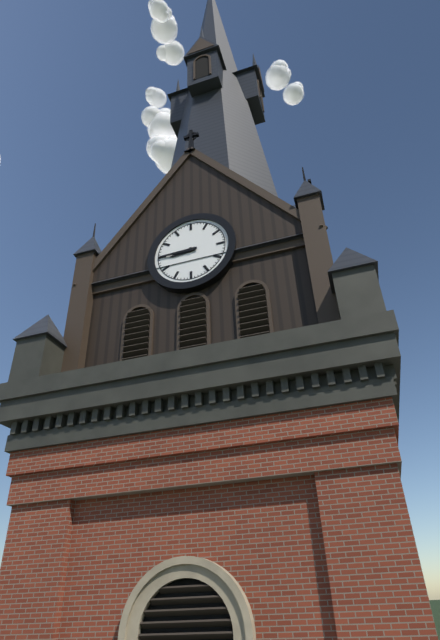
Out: **8:45**
